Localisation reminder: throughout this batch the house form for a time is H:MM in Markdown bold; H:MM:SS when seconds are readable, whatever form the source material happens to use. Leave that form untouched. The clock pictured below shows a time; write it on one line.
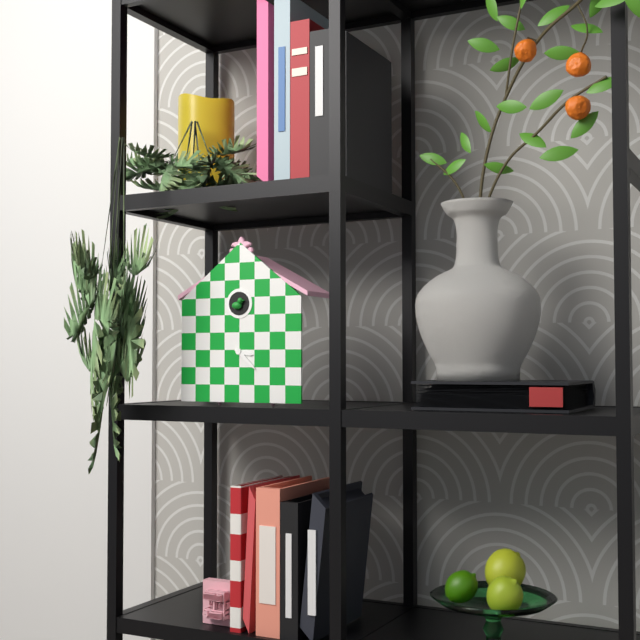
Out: **3:22**
